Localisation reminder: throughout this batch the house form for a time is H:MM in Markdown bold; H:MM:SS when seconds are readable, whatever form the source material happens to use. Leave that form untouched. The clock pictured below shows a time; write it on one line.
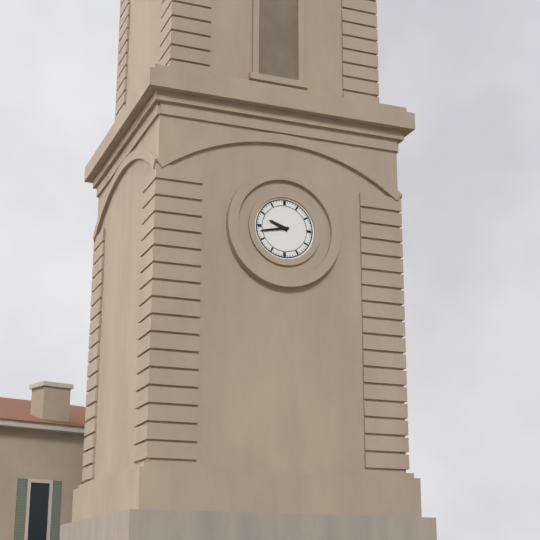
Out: **9:43**
